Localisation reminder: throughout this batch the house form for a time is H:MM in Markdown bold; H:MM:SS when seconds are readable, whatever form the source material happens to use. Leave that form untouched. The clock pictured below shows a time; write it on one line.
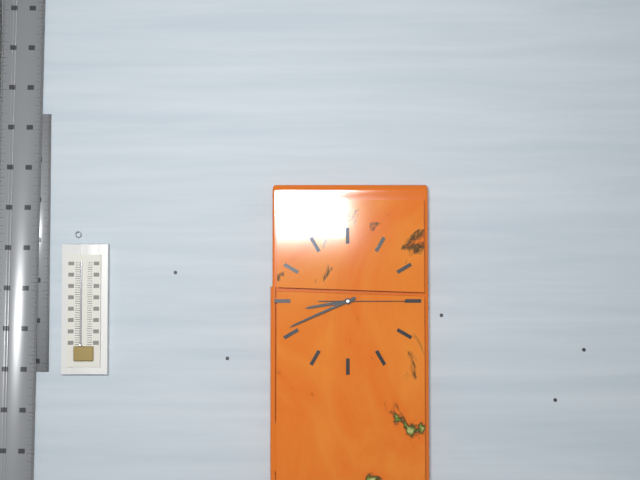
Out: **8:41:15**
